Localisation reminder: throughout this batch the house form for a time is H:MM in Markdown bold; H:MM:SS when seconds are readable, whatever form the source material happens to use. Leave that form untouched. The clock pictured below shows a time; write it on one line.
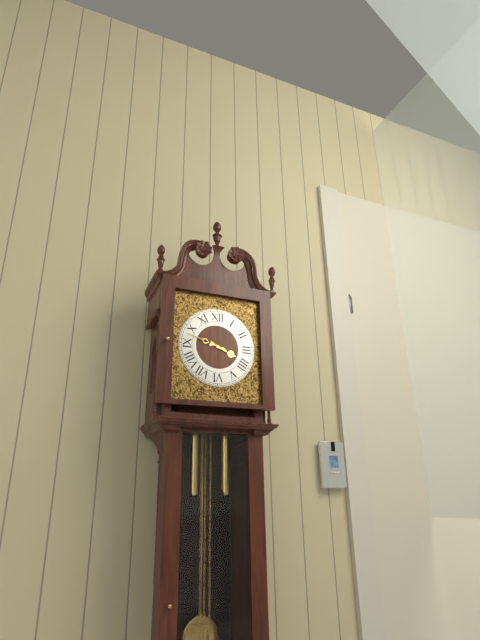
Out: **3:48**
